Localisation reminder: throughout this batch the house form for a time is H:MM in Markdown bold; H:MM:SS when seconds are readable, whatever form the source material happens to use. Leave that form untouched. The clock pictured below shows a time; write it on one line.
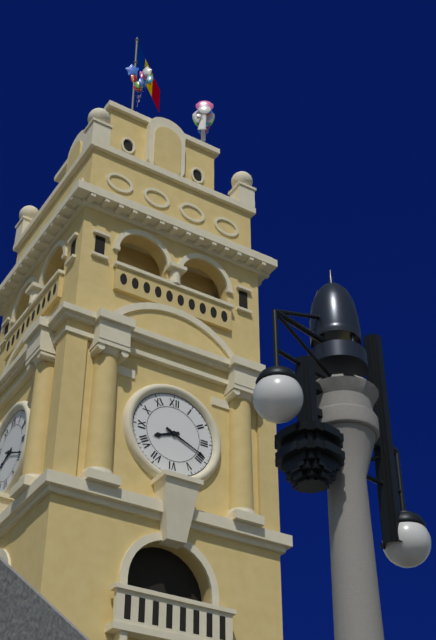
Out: **8:19**
